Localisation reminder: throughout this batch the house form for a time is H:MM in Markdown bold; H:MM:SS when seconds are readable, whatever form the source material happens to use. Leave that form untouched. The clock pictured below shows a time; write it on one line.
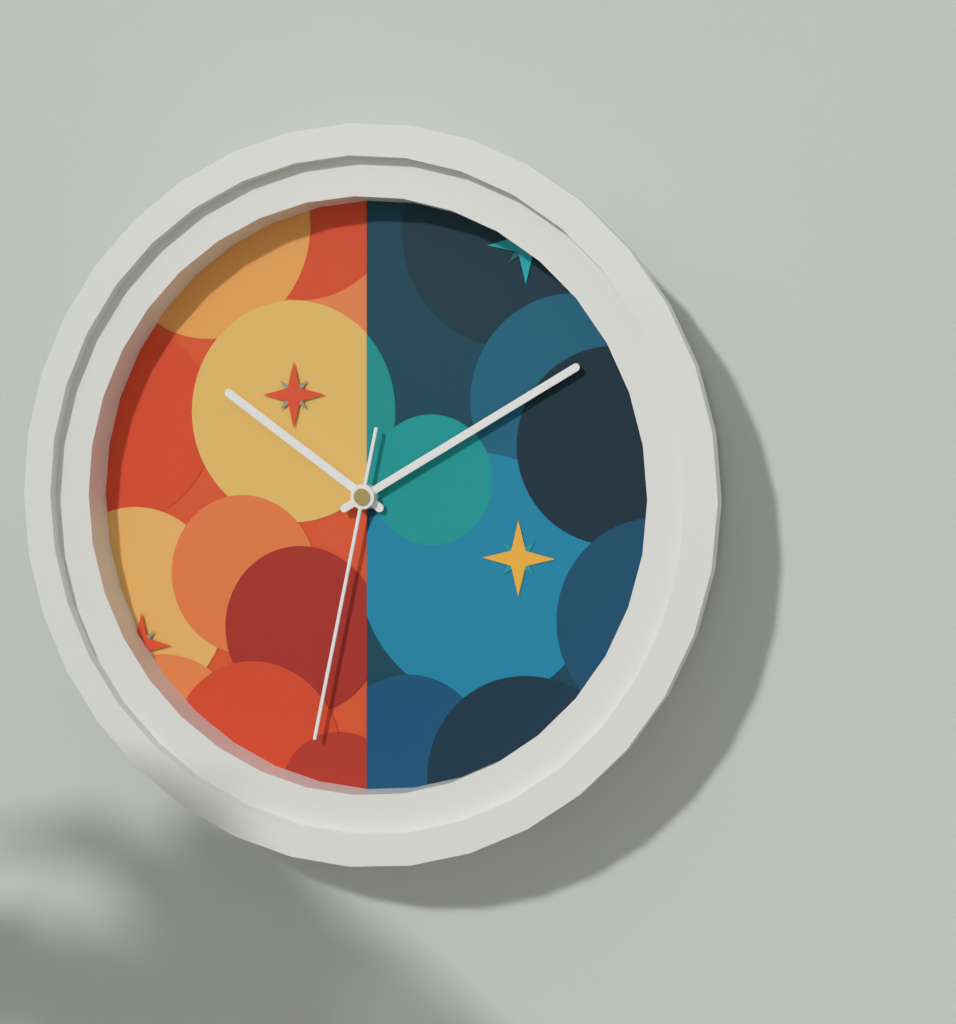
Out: **10:10:32**
